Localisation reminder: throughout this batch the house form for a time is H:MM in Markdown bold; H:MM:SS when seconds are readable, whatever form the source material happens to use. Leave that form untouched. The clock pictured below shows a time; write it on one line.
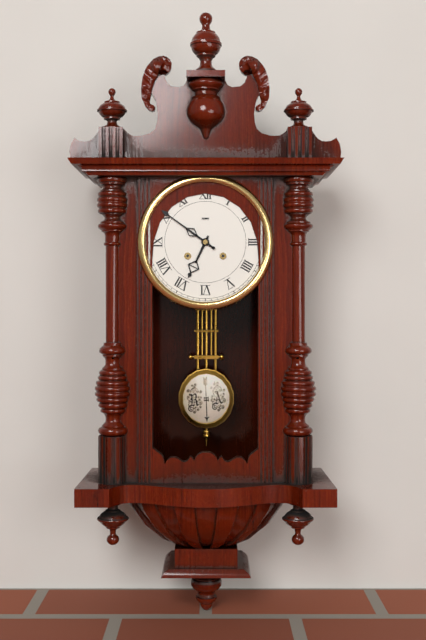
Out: **6:51**
